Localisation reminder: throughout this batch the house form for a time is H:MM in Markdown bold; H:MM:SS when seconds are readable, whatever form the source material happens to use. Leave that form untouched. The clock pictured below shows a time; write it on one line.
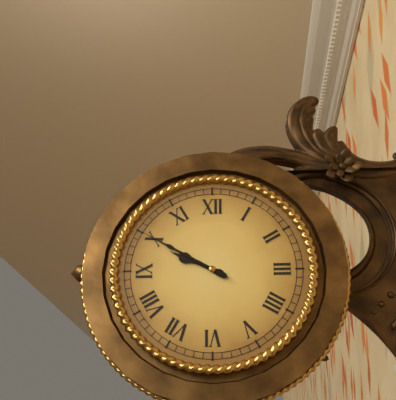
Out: **9:50**
